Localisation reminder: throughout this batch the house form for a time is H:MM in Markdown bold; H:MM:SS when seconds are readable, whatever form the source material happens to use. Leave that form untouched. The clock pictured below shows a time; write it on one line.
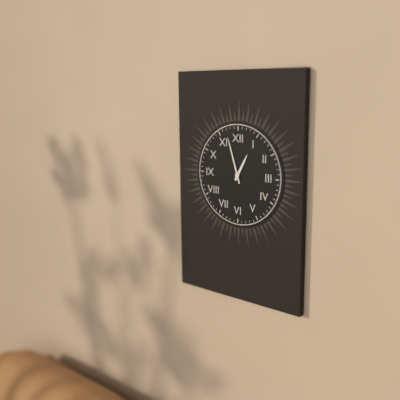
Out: **12:57**
